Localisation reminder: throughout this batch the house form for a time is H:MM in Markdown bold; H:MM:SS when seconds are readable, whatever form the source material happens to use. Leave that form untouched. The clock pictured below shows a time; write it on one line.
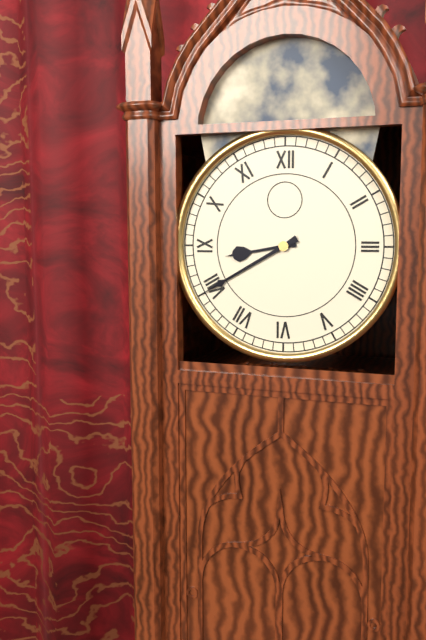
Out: **8:40**
